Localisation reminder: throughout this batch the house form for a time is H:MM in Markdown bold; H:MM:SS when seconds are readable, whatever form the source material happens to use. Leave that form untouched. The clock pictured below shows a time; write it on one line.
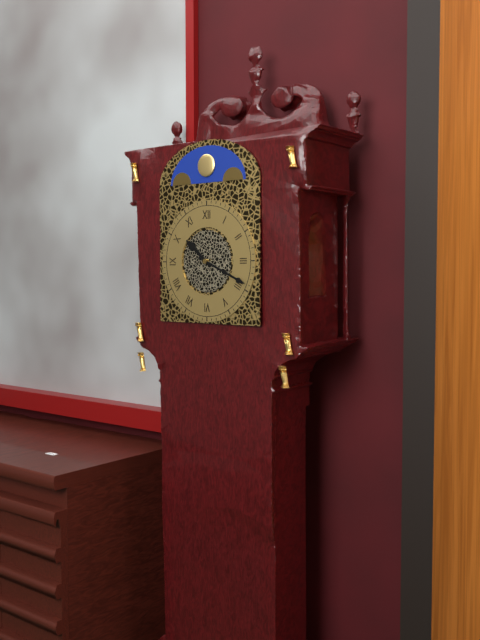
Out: **10:19**
